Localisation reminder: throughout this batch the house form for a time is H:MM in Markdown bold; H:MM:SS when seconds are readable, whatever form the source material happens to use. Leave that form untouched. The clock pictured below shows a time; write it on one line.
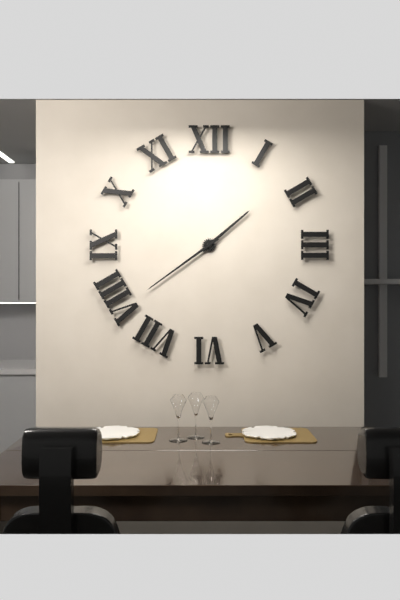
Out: **1:39**
